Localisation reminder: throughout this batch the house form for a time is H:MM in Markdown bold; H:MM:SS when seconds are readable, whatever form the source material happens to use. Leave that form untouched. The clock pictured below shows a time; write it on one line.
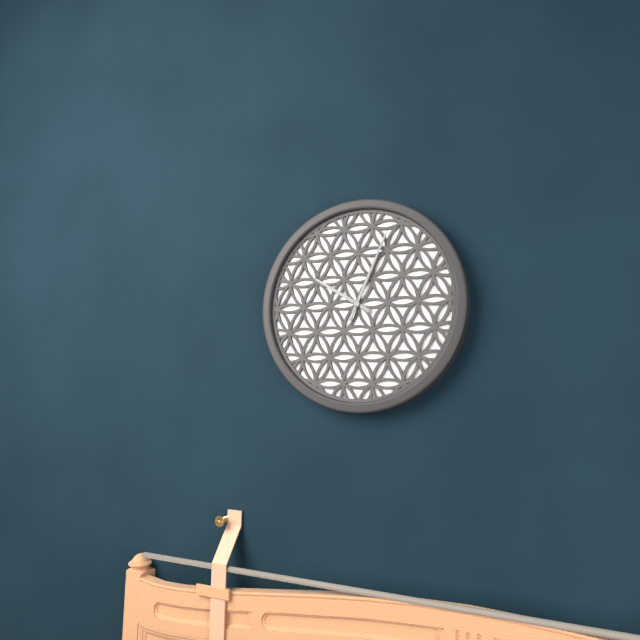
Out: **10:04**
